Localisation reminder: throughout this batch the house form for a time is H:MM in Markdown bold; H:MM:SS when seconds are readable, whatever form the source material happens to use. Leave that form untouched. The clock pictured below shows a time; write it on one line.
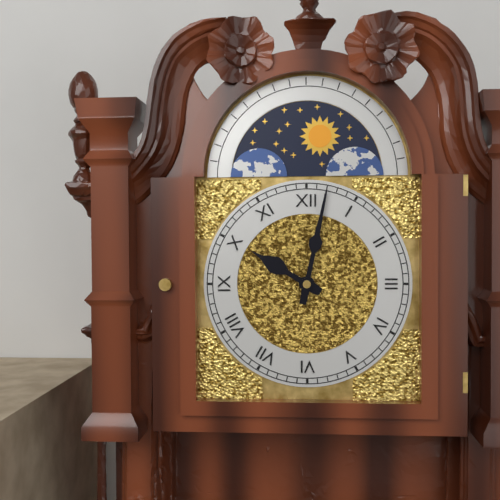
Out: **10:02**
